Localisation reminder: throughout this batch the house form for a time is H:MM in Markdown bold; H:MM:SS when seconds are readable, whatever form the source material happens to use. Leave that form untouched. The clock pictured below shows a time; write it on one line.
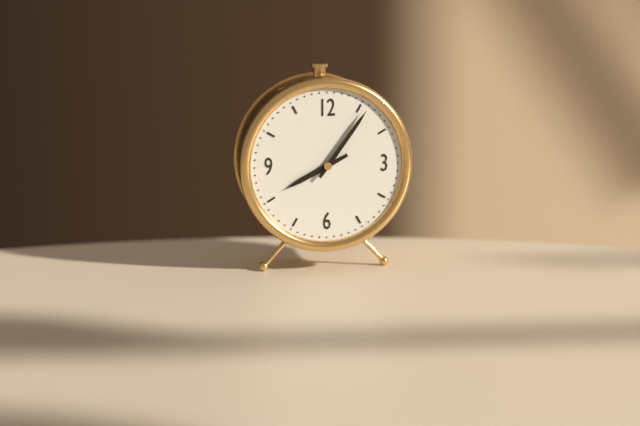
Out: **8:06**
